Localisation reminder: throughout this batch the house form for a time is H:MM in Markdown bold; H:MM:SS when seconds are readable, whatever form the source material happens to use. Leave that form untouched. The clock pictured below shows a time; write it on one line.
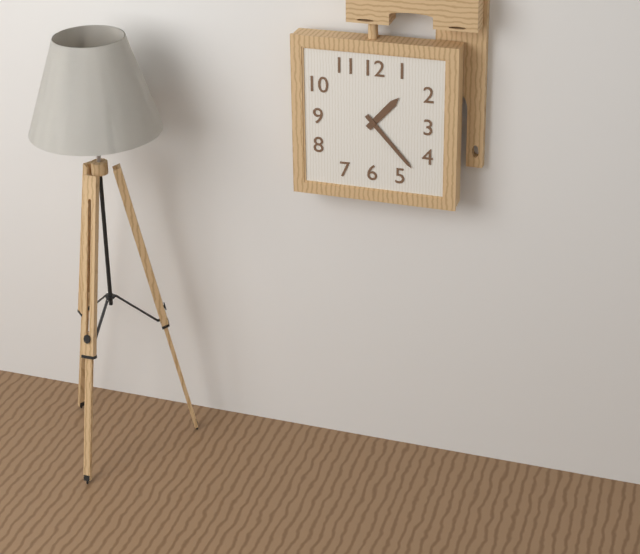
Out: **1:23**
